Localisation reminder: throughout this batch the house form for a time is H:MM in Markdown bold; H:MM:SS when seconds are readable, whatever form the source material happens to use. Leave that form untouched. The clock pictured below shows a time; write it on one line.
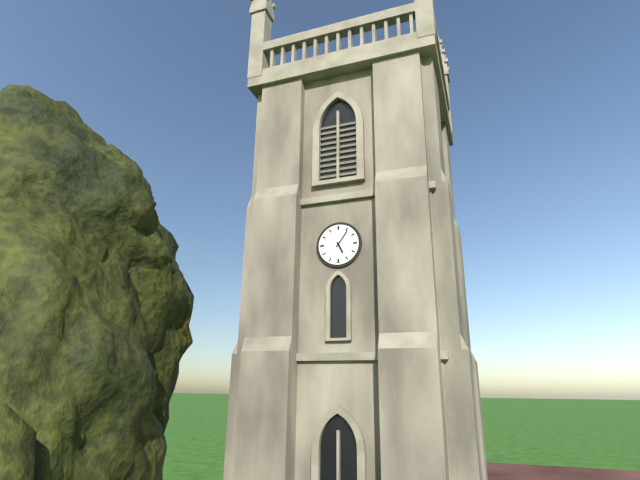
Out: **5:06**
